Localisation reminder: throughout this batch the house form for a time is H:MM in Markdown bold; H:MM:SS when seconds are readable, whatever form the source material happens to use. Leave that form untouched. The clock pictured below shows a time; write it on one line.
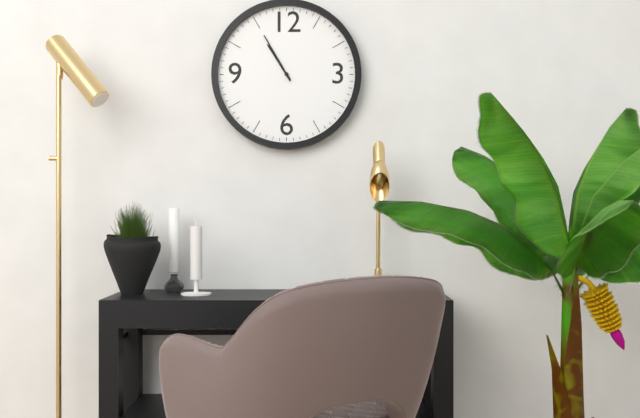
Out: **10:55**
